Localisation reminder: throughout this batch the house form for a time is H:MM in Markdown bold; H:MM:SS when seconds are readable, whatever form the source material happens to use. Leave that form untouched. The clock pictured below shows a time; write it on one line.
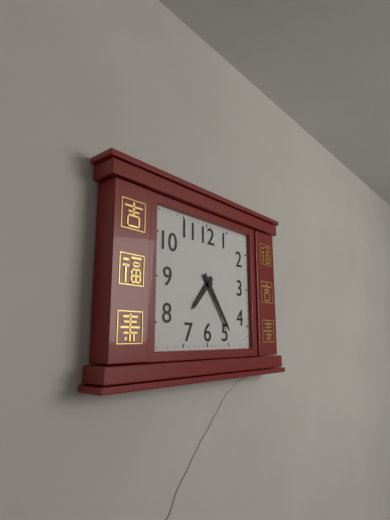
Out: **7:24**
